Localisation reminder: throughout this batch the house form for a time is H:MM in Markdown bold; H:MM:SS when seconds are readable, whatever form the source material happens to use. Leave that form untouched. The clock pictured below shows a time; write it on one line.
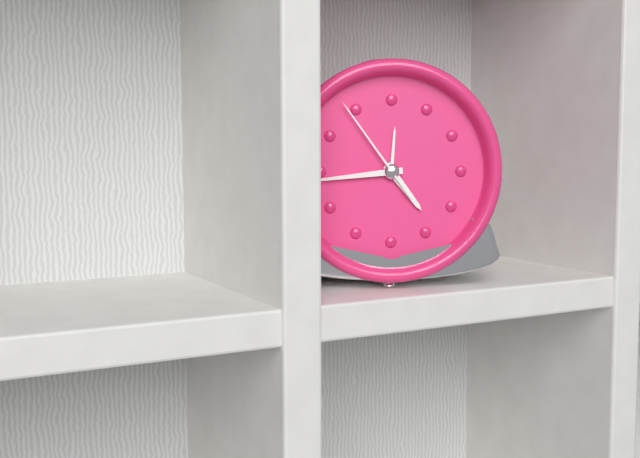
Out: **4:44:54**
